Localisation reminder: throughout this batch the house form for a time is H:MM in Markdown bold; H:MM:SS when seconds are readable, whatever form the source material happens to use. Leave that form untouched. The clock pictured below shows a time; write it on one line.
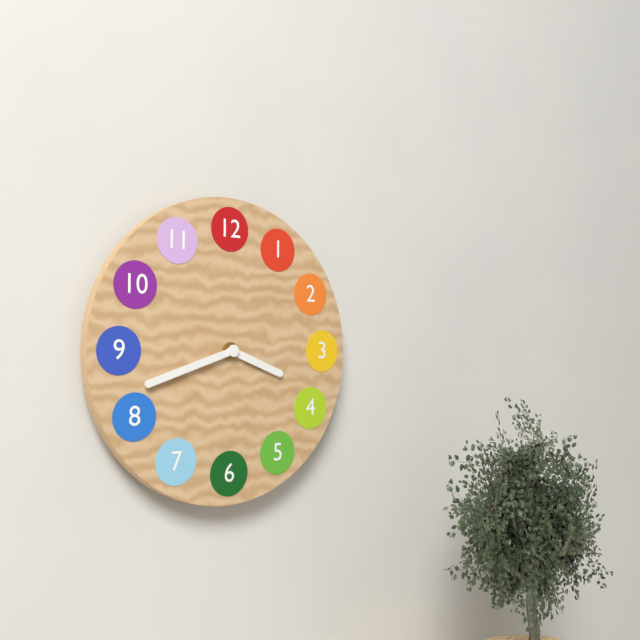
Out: **3:42**
